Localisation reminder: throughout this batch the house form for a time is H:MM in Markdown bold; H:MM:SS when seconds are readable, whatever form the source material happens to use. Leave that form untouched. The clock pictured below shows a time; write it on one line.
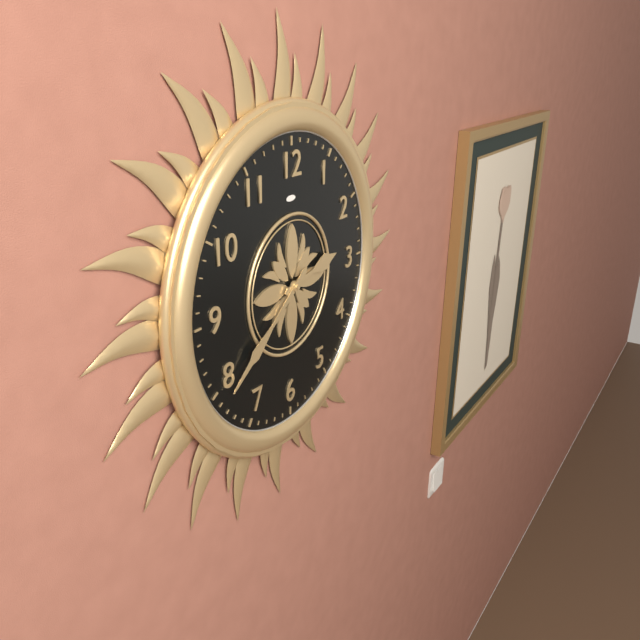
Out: **2:39**
